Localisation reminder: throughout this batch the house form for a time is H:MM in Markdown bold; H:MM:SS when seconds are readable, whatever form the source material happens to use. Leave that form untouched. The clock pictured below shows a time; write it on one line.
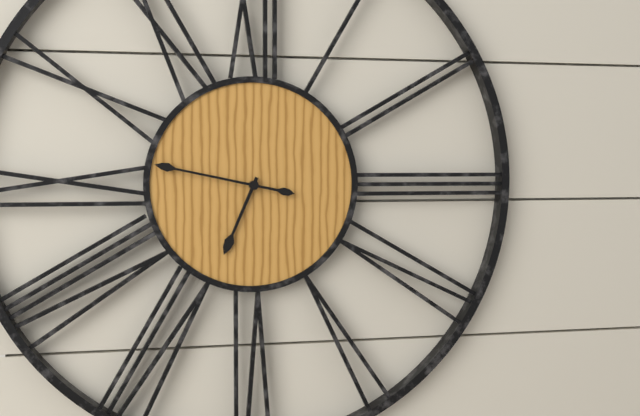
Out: **6:47**
